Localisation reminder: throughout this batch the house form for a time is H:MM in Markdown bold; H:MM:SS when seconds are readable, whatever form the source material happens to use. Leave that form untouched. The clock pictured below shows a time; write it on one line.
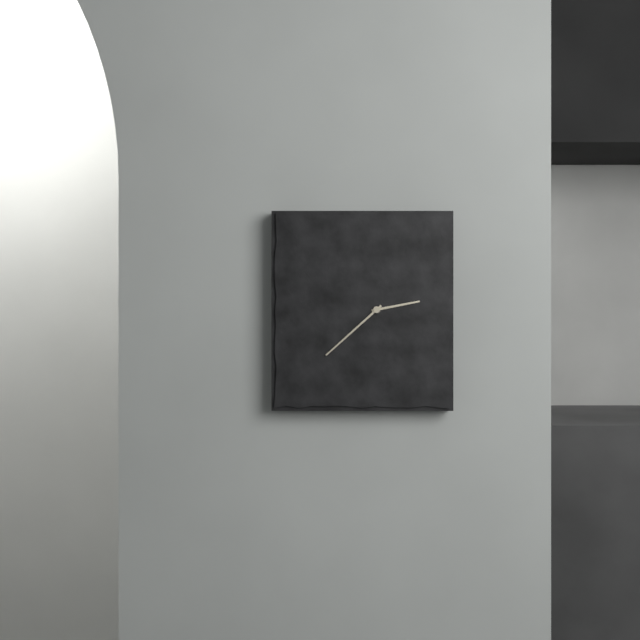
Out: **2:38**
